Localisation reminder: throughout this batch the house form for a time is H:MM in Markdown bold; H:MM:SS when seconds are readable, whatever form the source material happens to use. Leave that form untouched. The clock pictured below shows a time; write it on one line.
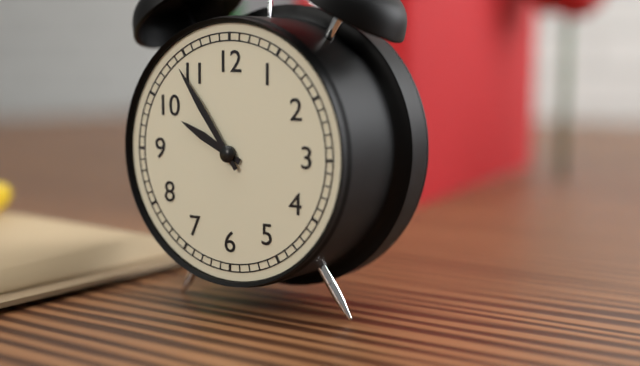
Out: **9:54**
